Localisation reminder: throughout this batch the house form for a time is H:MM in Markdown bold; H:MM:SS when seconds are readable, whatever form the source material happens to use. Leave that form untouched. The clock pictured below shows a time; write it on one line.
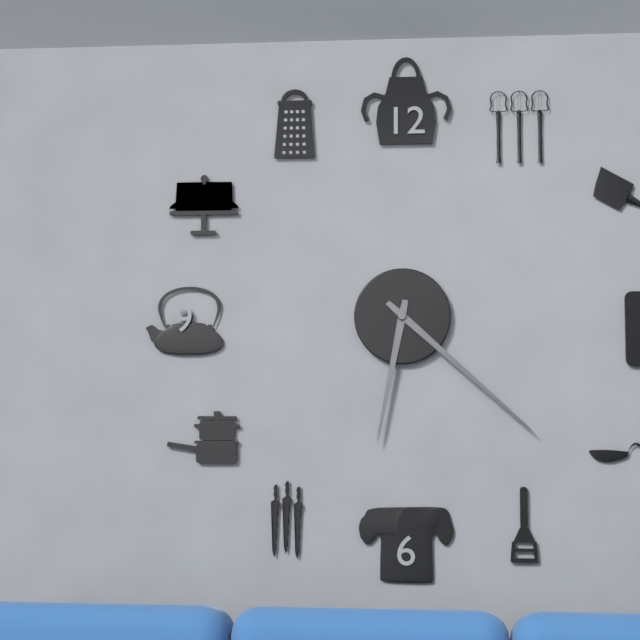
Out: **6:22**
